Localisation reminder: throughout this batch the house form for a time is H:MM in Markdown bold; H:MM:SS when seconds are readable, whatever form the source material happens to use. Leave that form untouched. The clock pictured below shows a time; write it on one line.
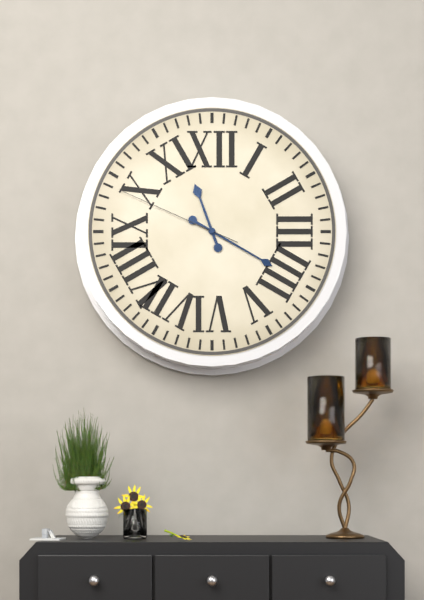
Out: **11:20:49**
